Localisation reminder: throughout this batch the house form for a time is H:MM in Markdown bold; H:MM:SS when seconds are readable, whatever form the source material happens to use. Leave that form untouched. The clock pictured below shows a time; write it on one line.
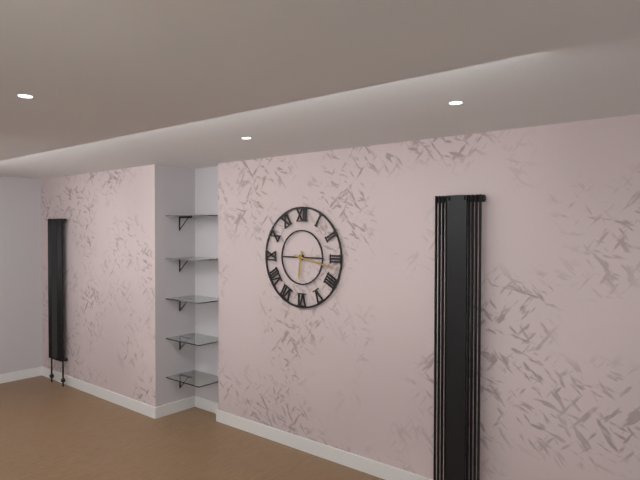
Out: **6:17**
